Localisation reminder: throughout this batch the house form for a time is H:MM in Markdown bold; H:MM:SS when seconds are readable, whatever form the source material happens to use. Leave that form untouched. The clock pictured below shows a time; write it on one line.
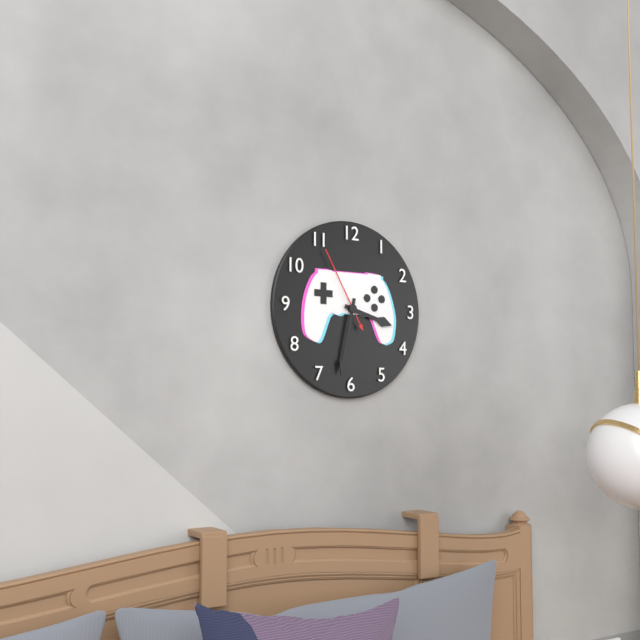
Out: **3:32:55**
